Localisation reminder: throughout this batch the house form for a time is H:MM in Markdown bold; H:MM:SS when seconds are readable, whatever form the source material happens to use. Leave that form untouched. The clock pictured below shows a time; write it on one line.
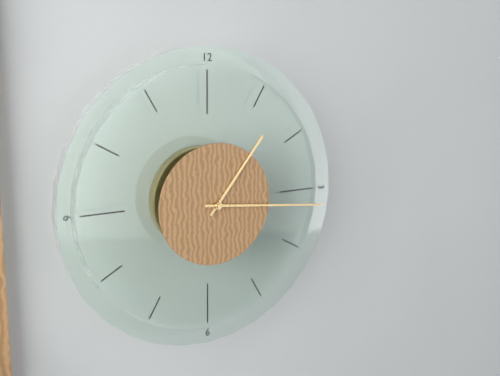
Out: **1:16**
